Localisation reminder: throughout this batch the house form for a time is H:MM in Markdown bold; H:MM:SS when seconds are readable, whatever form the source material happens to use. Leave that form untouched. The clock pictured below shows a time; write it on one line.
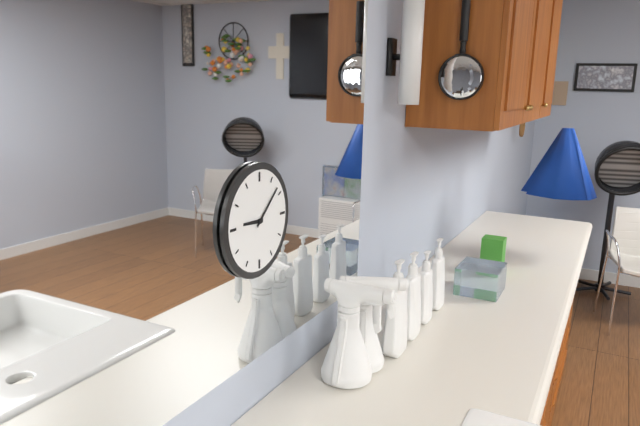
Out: **9:08**
